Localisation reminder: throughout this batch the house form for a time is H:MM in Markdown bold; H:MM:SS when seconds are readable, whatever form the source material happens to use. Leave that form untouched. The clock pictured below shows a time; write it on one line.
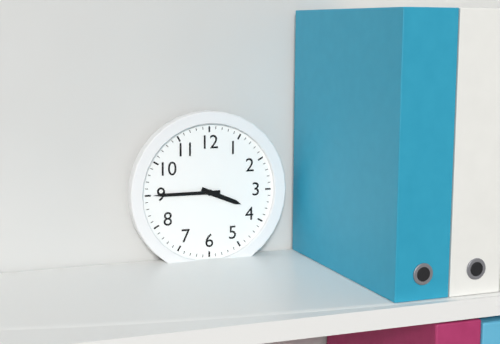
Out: **3:45**
